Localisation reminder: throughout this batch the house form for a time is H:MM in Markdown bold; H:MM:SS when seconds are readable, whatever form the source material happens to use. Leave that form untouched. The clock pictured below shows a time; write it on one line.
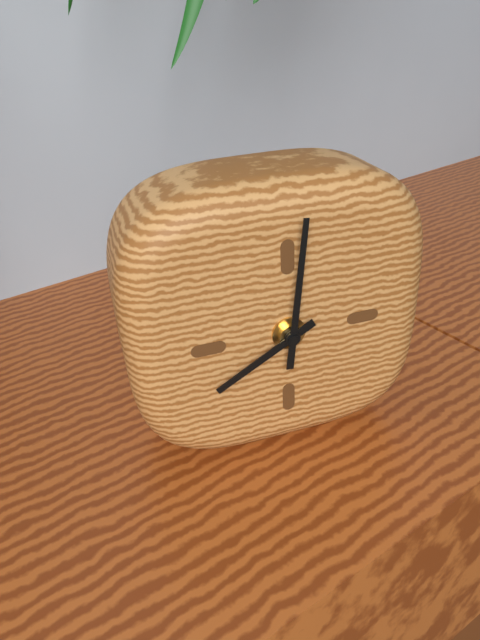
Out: **8:01**
